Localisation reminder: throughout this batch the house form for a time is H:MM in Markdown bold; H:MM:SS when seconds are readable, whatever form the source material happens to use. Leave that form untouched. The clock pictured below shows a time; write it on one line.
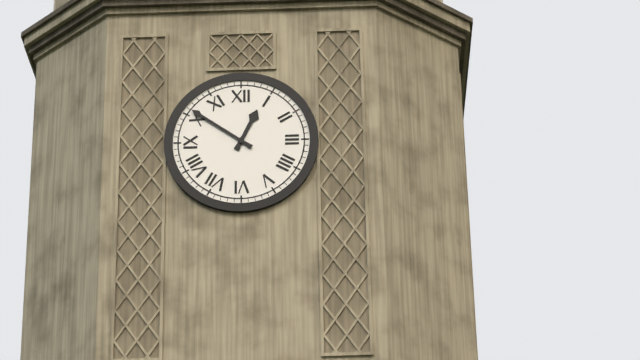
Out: **12:51**
